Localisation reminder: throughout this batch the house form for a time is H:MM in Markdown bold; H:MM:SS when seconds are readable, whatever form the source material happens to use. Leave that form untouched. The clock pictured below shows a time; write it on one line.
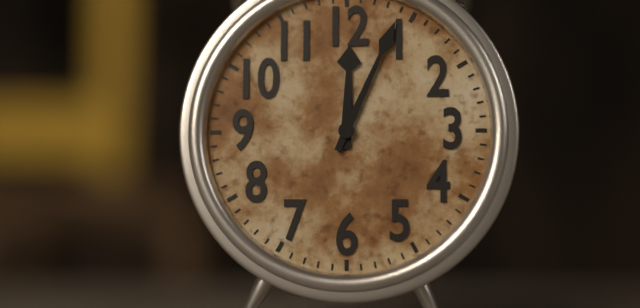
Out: **12:04**
